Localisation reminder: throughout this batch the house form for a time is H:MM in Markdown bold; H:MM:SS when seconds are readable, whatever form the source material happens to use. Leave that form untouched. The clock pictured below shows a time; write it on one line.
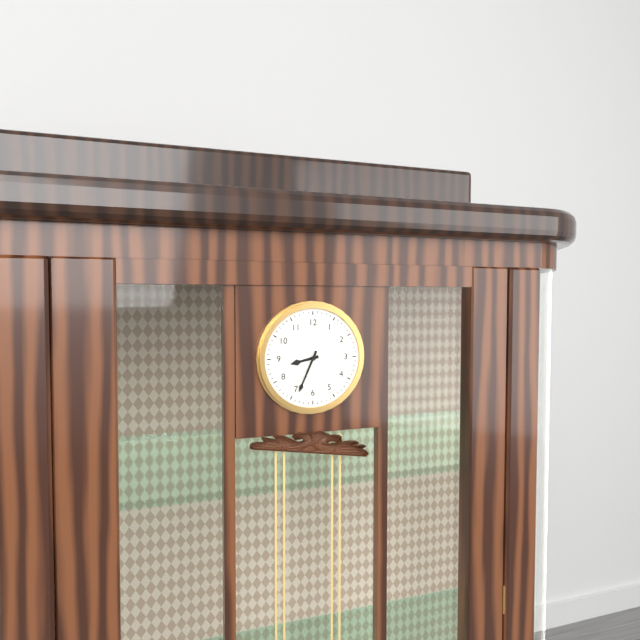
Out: **8:34**
